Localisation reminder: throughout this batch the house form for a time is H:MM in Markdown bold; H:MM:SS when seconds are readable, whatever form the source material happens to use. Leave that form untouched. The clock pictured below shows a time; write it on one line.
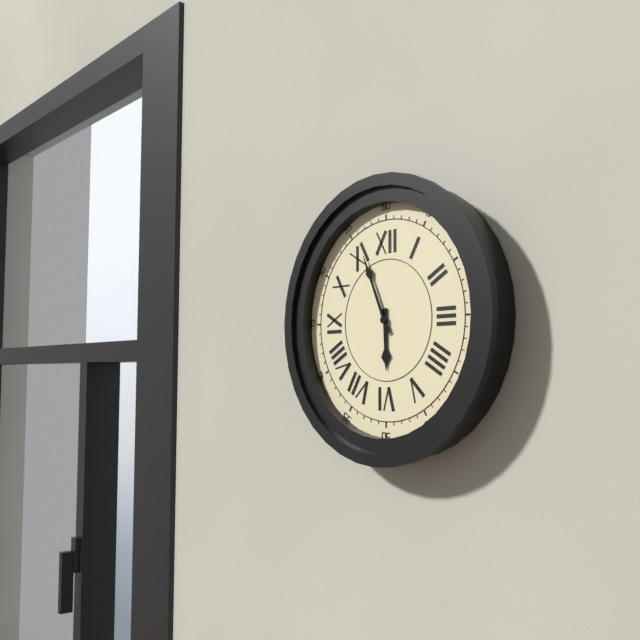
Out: **5:56**
